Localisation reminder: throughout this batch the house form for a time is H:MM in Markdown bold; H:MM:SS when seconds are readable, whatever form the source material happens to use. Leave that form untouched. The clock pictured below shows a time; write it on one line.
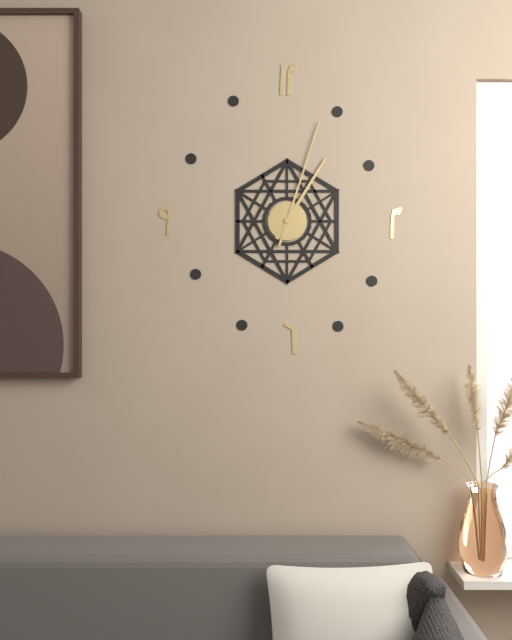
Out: **1:03**
